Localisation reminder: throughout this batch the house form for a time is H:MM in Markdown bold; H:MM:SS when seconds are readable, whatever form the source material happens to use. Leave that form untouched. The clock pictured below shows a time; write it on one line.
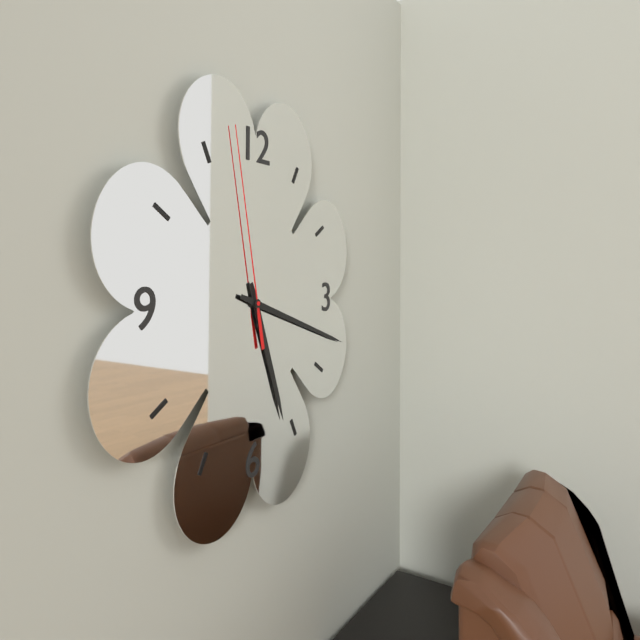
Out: **5:18:58**
